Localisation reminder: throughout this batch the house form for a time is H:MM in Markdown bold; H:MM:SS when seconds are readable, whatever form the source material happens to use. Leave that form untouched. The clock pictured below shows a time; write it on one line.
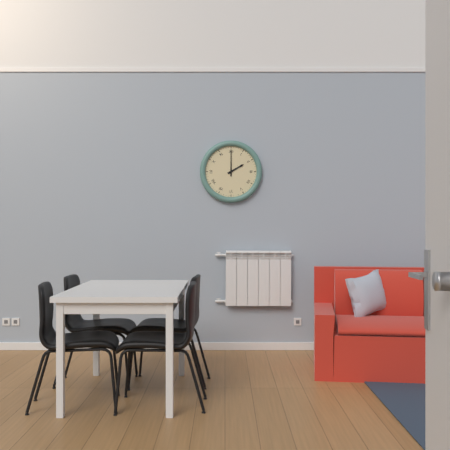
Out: **2:00**
